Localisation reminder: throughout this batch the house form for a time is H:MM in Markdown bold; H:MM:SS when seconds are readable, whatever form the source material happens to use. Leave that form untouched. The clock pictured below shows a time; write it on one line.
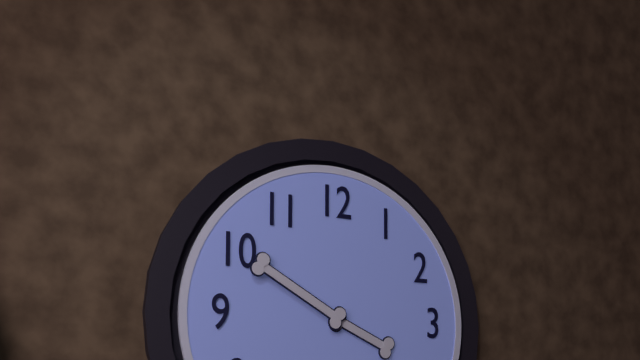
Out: **3:50**
